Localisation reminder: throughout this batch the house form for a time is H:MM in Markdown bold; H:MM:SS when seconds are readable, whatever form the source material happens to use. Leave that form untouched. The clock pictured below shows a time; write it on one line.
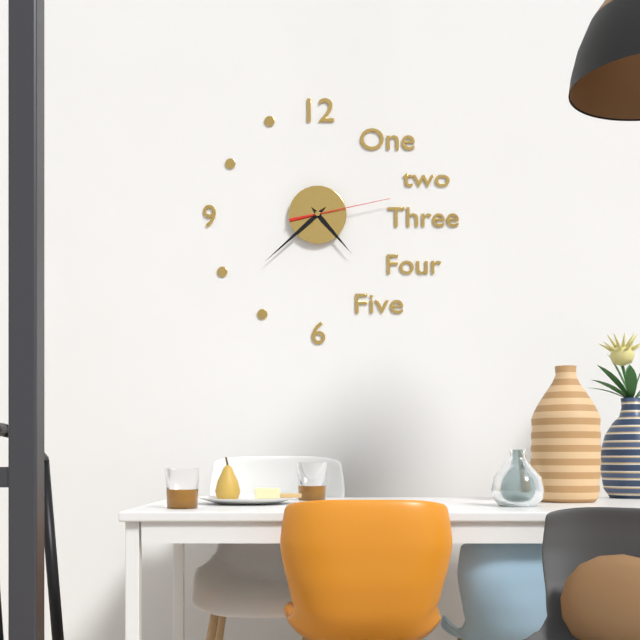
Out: **4:38:13**
